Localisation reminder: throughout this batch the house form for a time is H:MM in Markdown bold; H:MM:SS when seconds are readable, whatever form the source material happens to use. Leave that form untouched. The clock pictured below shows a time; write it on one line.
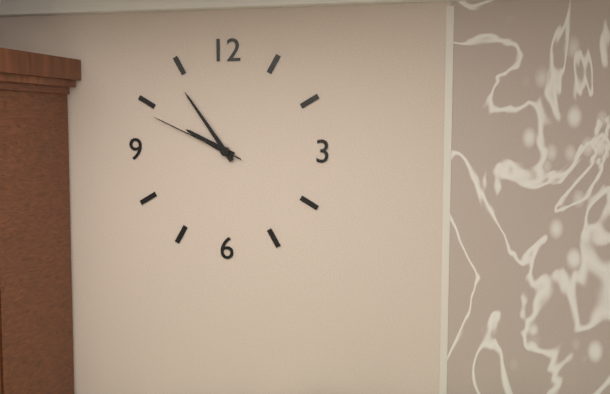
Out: **9:54:49**
